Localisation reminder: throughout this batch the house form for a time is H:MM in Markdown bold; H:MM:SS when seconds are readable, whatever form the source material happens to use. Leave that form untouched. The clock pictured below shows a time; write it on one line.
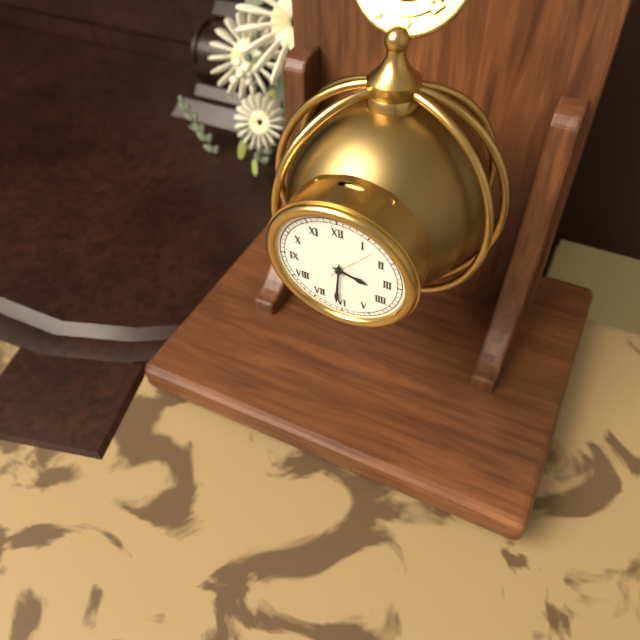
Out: **3:31**
